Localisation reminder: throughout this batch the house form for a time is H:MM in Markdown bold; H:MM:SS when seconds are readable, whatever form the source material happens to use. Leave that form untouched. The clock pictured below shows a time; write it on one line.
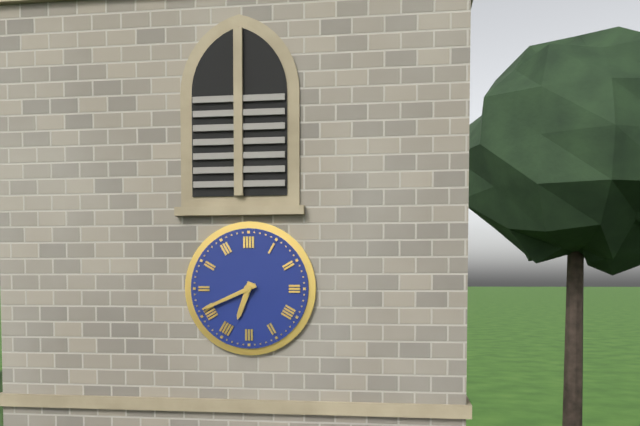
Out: **6:41**
